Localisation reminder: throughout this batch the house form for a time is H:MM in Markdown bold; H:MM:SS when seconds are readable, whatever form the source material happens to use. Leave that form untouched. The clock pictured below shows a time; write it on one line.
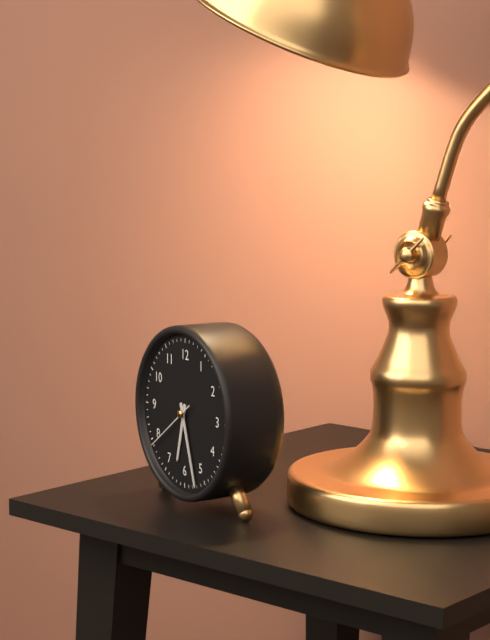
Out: **6:27:39**
